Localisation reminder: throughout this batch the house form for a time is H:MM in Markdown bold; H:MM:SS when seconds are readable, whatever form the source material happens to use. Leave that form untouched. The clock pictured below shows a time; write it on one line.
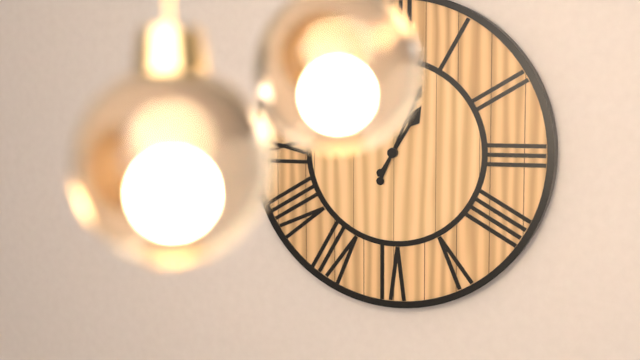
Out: **1:04**
